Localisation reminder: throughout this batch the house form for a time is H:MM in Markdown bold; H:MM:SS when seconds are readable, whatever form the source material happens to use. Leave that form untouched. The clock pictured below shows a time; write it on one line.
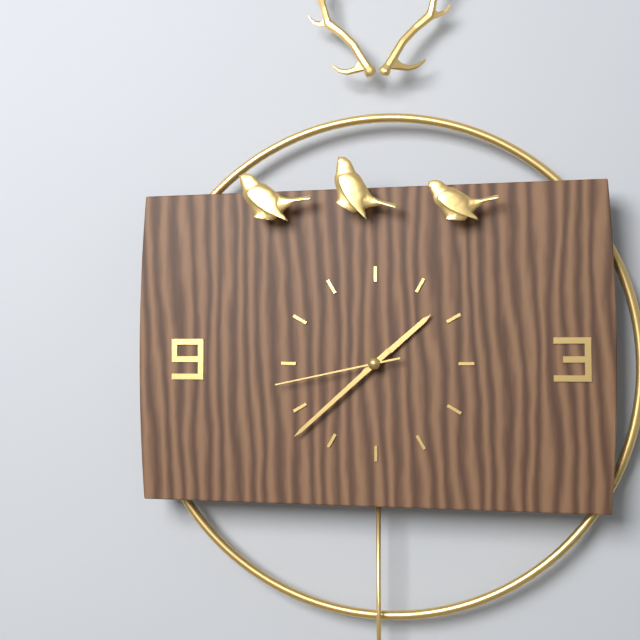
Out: **1:38:43**
